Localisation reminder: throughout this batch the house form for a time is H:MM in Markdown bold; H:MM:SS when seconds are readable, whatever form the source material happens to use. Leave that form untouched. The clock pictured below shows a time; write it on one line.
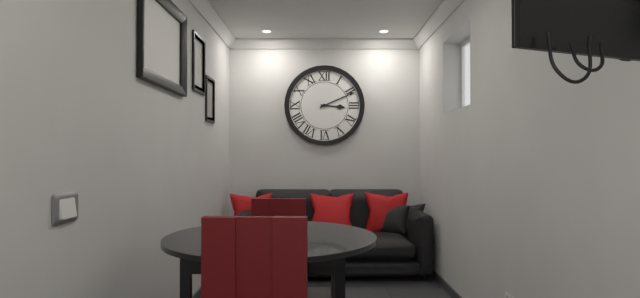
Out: **3:11**
